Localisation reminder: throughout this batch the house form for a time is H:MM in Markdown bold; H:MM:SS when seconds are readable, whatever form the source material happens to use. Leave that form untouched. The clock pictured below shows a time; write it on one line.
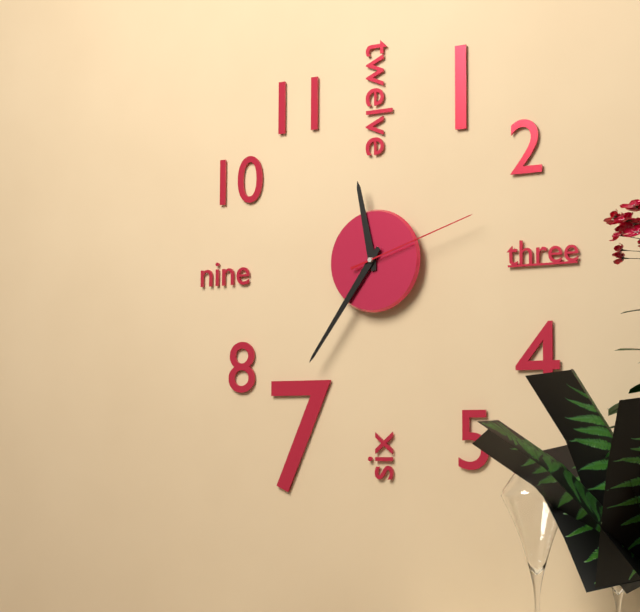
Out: **11:36:12**
